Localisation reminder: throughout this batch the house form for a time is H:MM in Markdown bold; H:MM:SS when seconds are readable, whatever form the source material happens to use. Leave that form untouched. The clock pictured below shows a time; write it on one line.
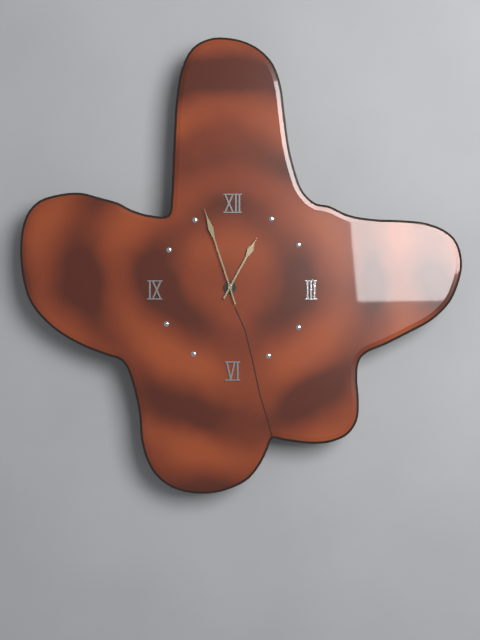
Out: **12:57**
